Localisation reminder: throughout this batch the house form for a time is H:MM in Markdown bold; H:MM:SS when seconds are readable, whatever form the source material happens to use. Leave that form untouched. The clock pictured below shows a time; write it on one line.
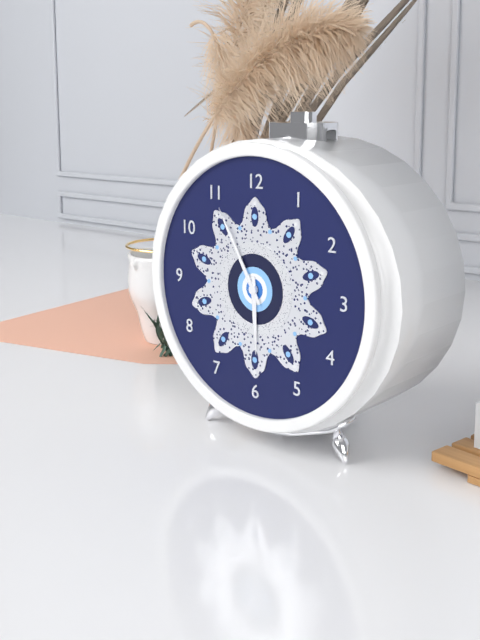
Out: **5:55**
